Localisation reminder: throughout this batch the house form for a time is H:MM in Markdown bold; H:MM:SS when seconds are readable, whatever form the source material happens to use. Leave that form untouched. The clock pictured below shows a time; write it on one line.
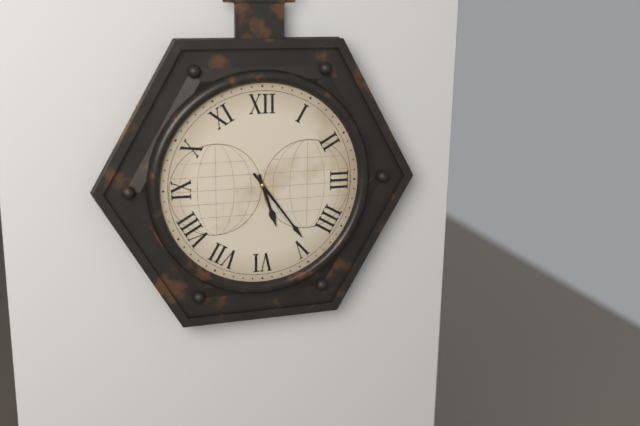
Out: **5:24**
